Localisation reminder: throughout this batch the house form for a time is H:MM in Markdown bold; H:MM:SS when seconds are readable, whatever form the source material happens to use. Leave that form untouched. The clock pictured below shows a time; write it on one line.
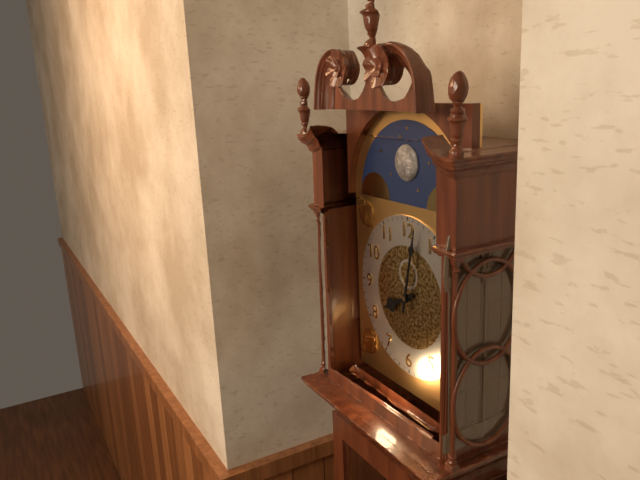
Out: **8:02**
